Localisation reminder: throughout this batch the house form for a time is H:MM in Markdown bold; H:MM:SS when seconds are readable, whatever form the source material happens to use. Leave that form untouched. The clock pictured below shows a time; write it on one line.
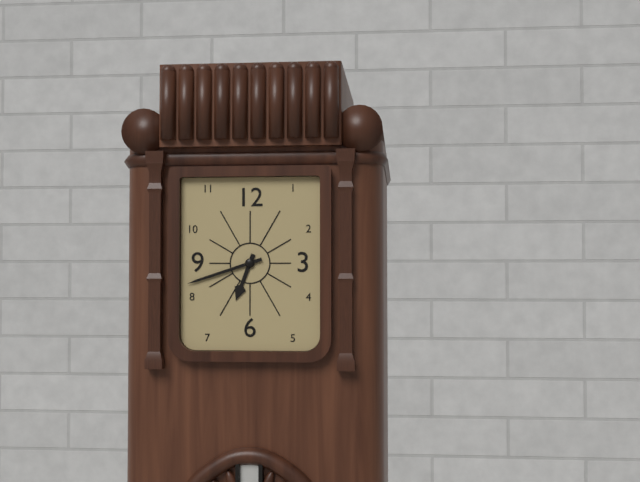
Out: **6:42**
